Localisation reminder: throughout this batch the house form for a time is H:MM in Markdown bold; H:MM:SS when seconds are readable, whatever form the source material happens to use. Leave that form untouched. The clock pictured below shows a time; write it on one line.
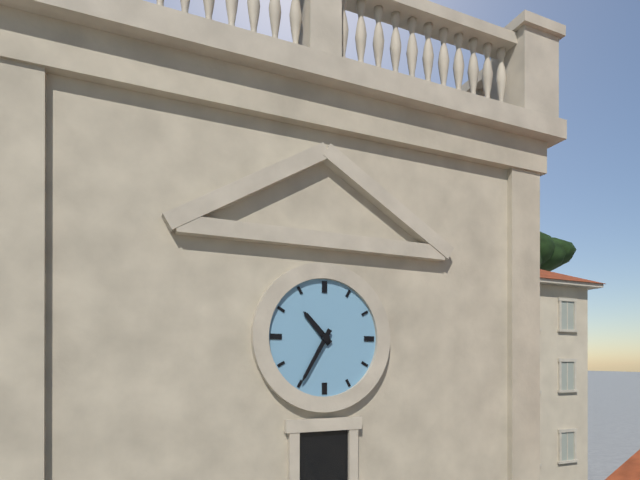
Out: **10:35**
